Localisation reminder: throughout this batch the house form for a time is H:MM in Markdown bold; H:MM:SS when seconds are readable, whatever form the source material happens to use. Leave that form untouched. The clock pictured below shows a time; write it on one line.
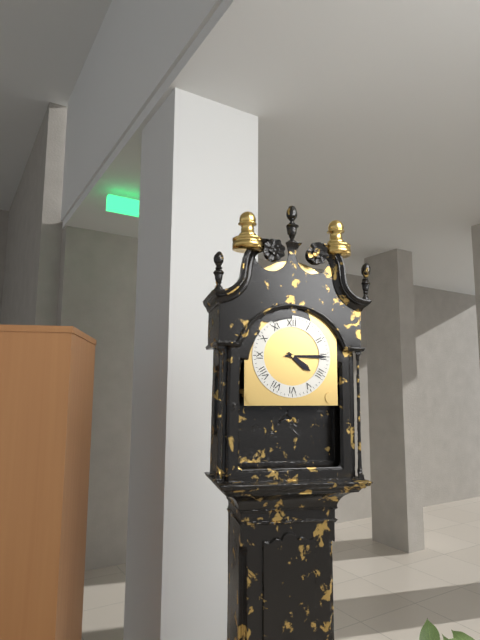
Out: **4:15**
